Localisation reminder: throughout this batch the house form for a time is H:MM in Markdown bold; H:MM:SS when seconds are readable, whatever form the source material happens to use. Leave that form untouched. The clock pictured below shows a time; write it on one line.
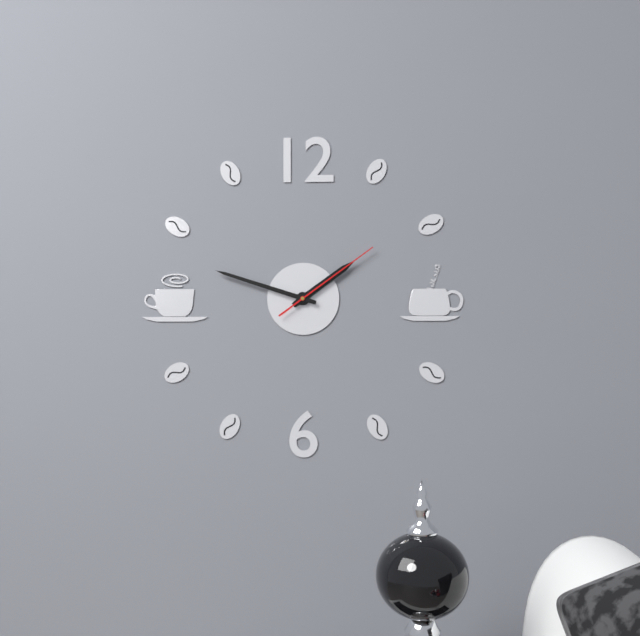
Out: **1:48:09**
